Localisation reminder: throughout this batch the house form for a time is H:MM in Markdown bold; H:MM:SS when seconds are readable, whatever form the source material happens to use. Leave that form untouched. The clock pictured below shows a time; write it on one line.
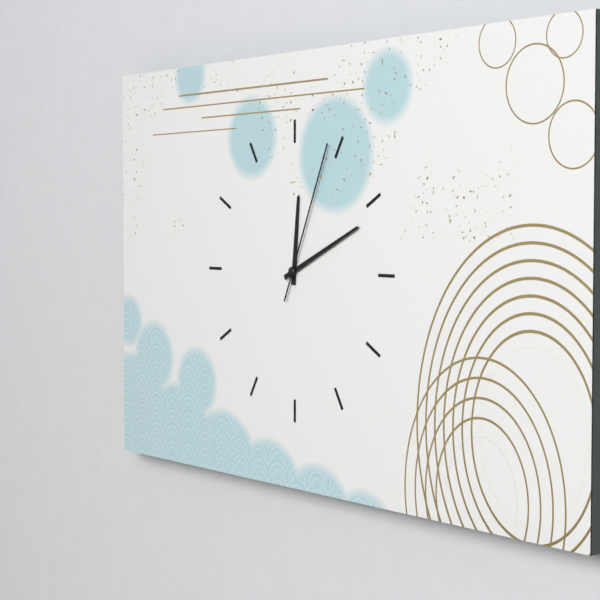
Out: **12:11:04**
